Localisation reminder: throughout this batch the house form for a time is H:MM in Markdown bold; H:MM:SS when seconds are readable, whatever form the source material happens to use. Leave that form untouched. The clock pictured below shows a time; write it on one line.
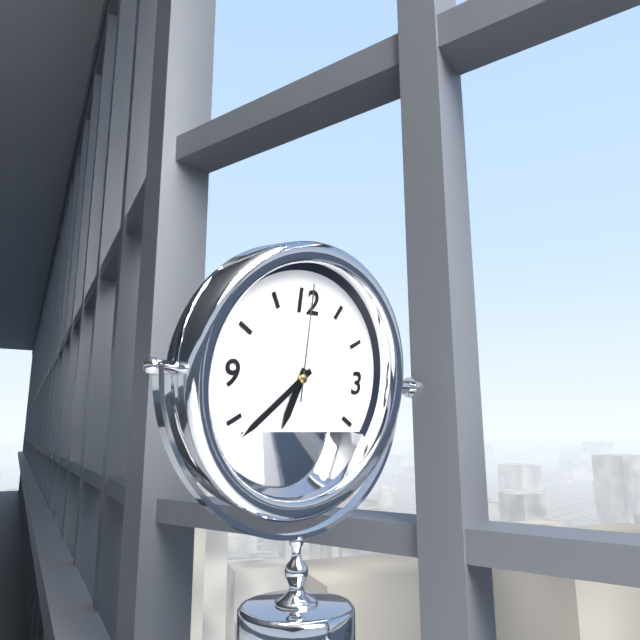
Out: **6:38:00**
